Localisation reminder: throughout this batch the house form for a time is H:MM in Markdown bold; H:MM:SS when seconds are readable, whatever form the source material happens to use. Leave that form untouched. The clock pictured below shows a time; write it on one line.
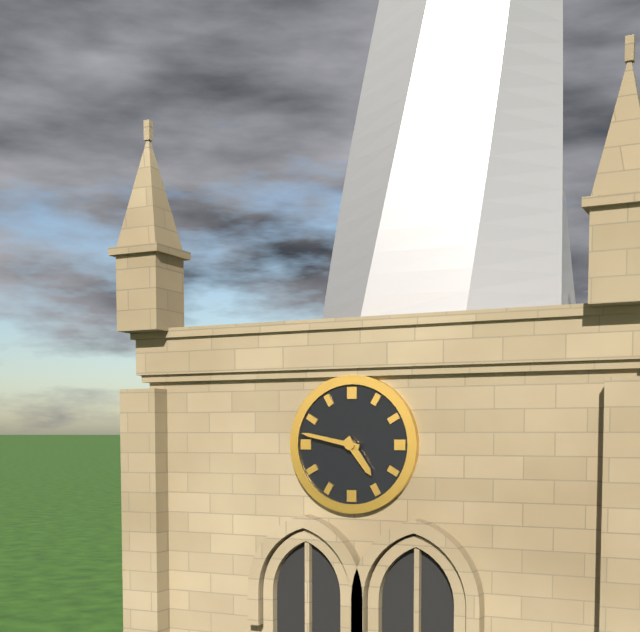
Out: **4:47**
